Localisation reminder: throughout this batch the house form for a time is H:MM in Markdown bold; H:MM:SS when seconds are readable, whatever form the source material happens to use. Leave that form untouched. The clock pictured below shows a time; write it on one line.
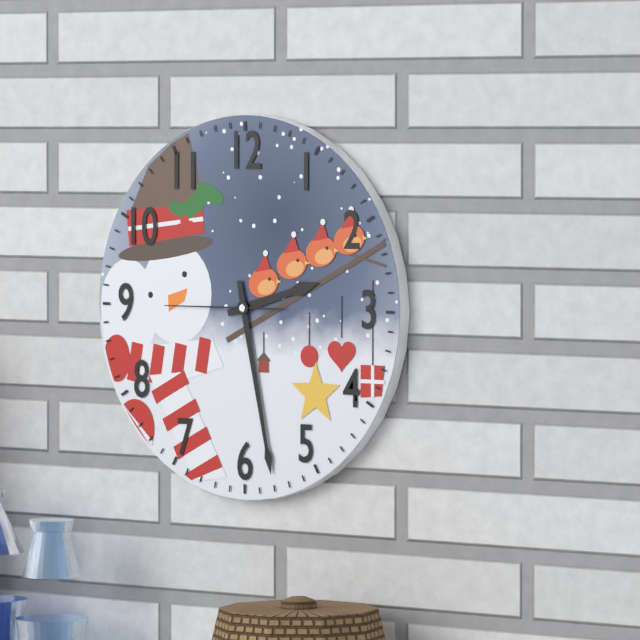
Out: **2:28:45**
